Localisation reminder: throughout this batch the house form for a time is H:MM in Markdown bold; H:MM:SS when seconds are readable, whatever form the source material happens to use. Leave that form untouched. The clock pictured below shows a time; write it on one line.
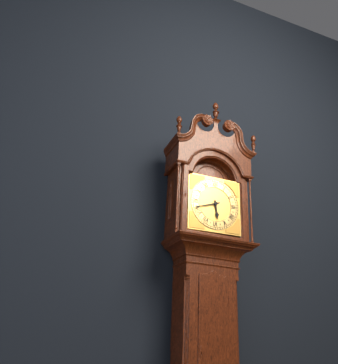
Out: **5:42**
